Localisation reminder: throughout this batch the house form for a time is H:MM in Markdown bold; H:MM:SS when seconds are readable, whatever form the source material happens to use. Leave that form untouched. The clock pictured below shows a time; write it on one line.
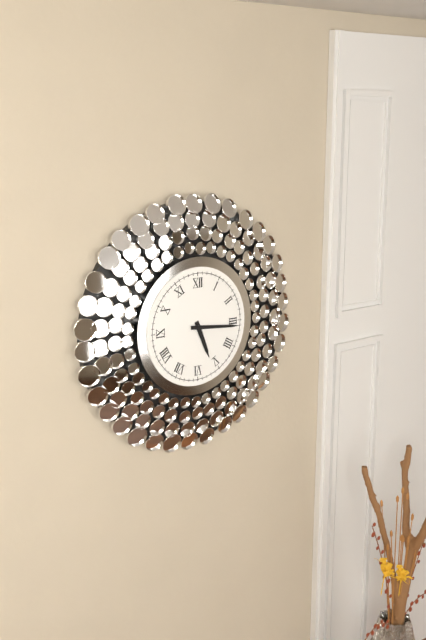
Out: **5:16**
